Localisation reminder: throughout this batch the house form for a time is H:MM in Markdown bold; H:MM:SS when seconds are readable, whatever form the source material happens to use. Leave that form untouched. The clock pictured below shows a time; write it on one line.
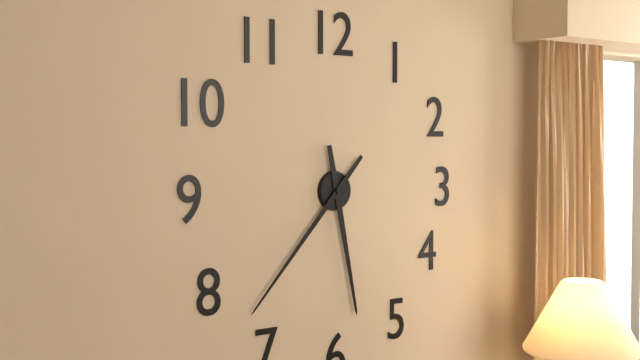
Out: **5:37**
